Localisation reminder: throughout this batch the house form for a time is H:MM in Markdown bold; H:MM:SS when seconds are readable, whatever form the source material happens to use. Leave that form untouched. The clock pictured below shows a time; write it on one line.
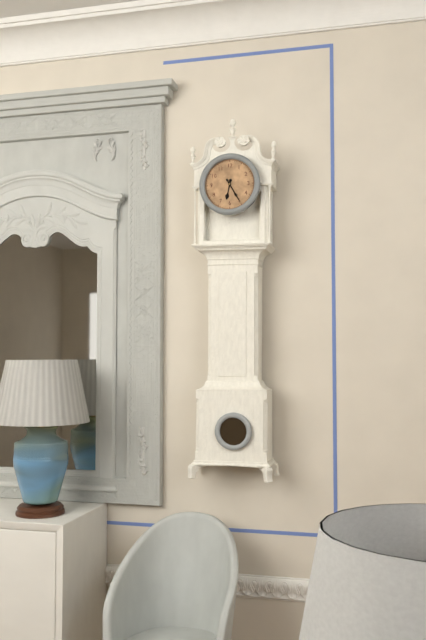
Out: **6:25**
